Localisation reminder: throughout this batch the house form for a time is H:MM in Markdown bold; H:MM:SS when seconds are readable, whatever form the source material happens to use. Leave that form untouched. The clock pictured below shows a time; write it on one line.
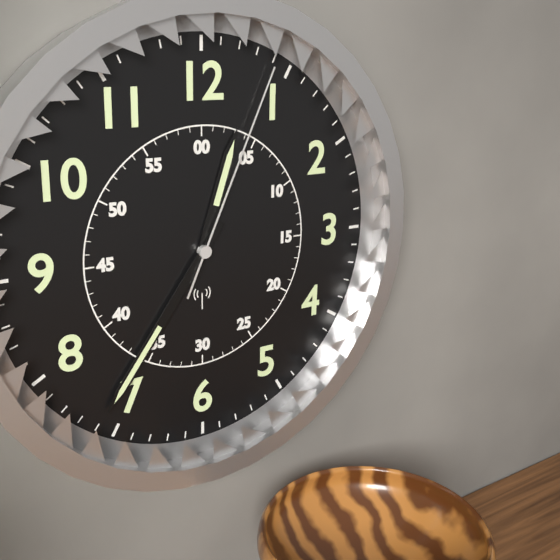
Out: **12:36:04**
